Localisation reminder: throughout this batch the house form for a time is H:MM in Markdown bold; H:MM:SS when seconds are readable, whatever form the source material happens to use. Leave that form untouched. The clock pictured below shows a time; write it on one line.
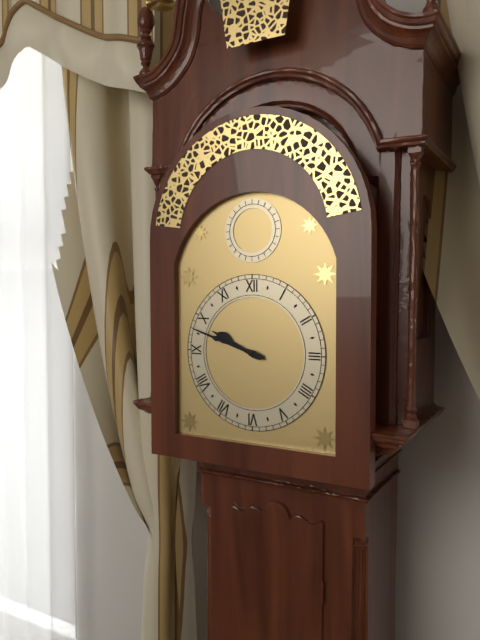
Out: **9:48**
